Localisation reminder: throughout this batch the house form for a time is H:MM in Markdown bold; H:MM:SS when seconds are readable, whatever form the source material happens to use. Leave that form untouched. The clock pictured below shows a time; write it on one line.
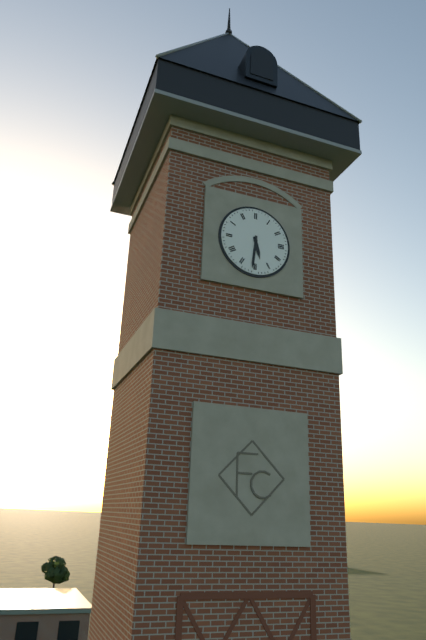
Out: **5:31**
